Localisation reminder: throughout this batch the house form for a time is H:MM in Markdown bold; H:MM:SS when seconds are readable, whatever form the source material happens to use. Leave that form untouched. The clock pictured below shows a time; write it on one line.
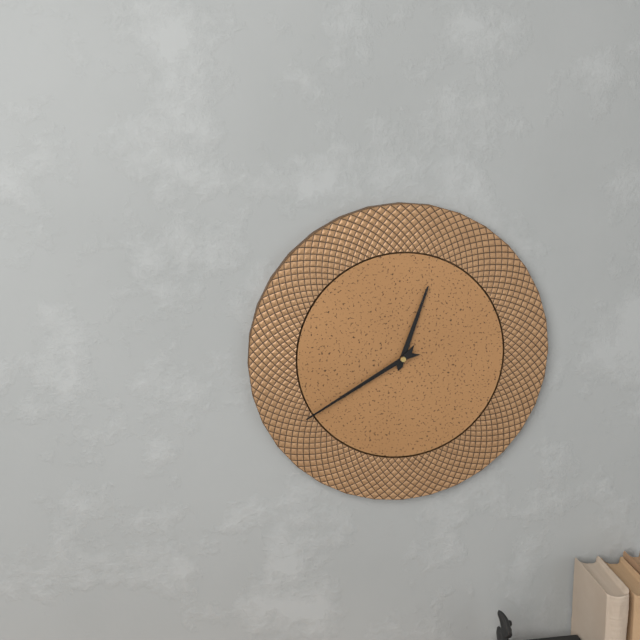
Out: **12:40**
